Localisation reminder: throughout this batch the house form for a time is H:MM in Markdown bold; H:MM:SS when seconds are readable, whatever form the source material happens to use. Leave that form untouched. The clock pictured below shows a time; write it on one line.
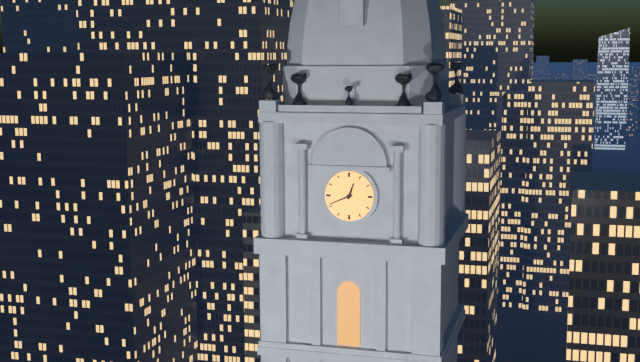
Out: **12:41**
